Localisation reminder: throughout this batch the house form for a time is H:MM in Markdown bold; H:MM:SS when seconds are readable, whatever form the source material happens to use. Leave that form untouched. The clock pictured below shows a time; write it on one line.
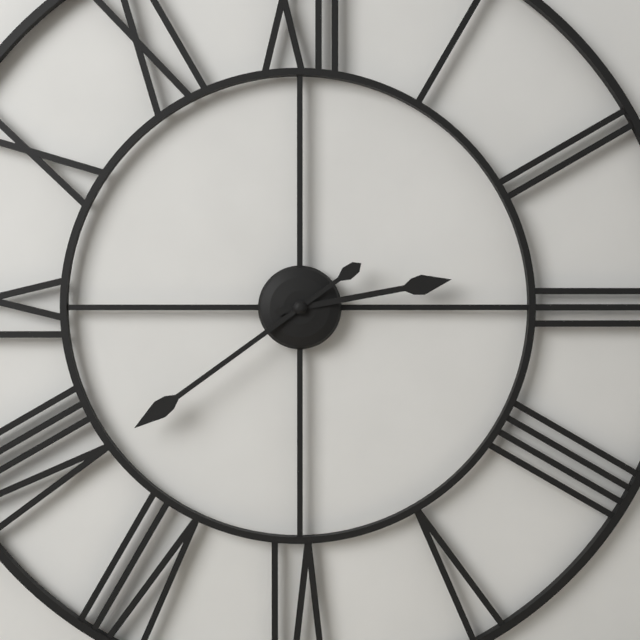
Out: **2:39**
